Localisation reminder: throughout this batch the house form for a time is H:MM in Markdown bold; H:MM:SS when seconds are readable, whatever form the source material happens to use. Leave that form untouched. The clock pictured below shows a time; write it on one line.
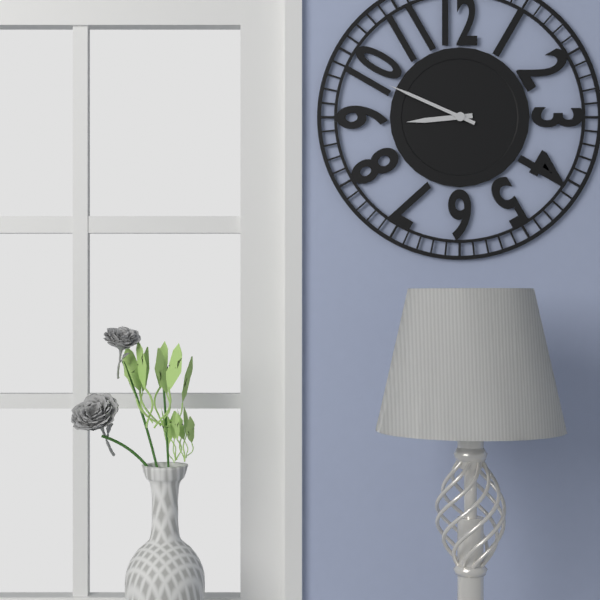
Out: **8:49**
